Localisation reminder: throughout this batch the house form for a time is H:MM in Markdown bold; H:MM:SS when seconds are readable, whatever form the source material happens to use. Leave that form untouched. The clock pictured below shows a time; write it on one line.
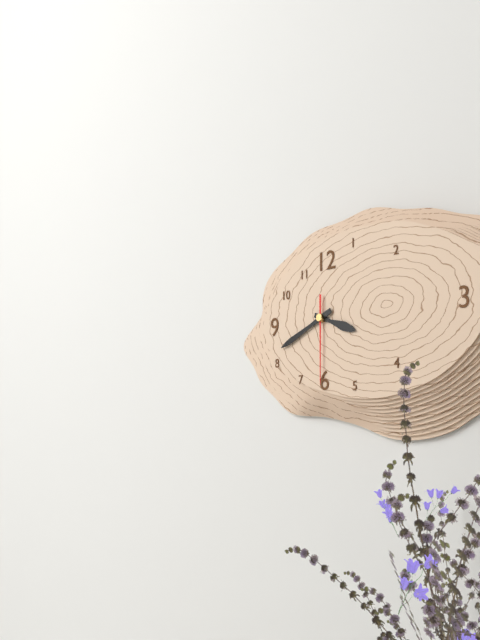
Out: **3:41:30**
